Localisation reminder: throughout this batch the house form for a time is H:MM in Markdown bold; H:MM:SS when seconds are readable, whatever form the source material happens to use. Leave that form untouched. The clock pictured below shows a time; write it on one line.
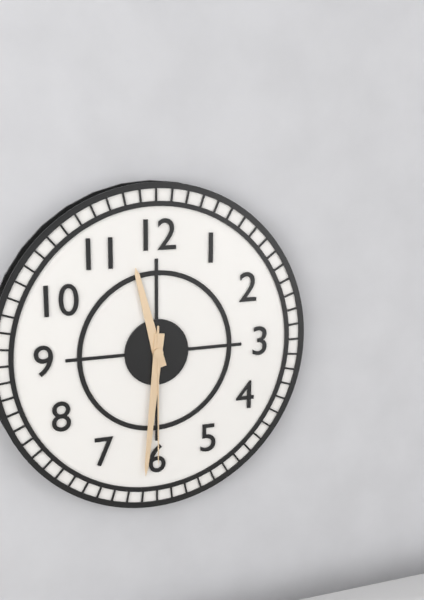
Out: **11:31:30**
